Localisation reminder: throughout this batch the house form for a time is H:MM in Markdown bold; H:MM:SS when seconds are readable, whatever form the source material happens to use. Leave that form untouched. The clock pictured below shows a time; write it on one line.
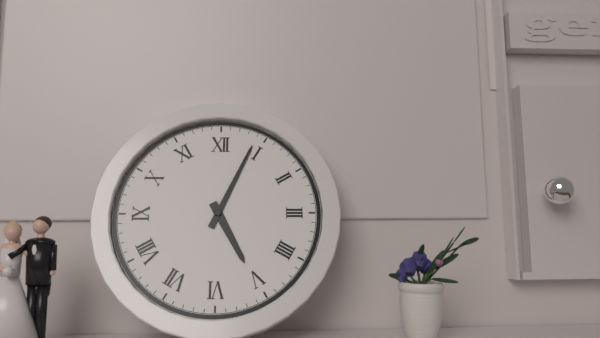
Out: **5:04**
